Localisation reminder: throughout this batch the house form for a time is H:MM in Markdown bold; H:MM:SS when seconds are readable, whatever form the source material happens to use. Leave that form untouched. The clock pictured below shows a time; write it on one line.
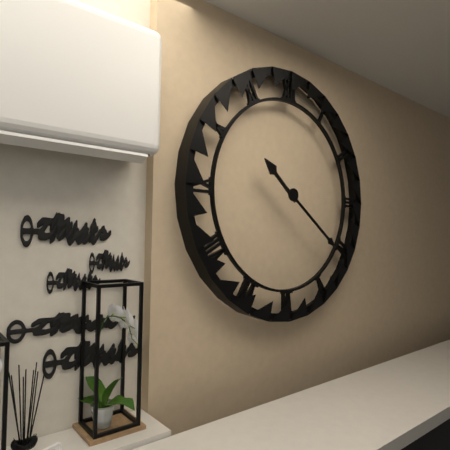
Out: **10:21**
